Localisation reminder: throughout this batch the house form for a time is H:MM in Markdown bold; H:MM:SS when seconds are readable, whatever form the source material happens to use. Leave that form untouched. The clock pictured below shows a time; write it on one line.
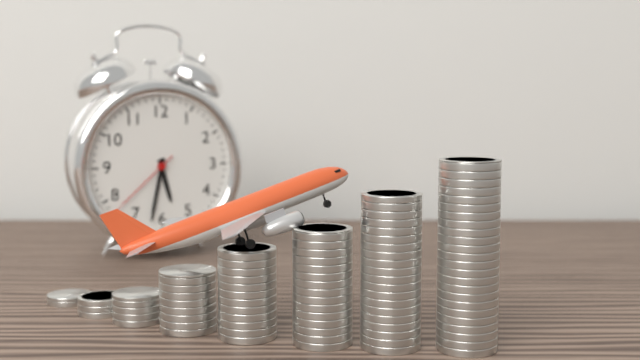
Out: **5:32:38**
